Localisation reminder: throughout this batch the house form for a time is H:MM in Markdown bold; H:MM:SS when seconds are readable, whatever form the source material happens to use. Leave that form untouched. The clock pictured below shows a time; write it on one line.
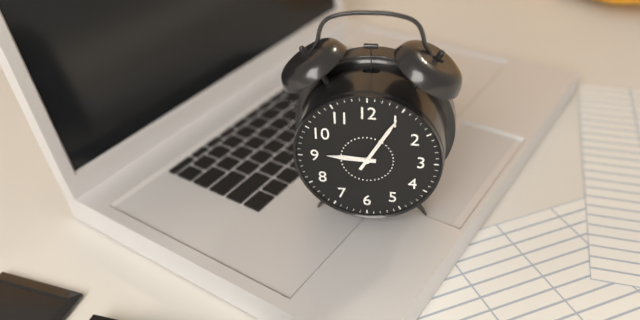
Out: **9:05**
